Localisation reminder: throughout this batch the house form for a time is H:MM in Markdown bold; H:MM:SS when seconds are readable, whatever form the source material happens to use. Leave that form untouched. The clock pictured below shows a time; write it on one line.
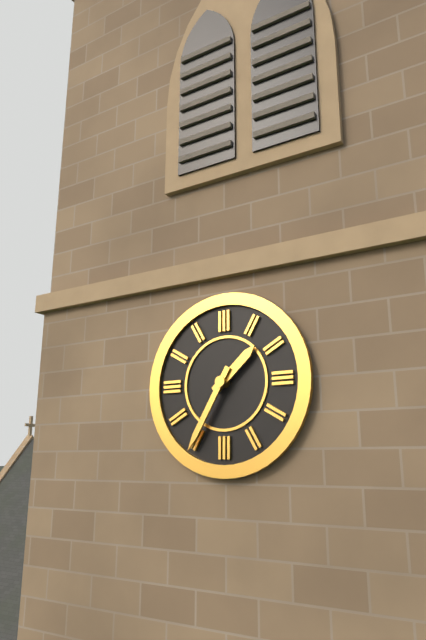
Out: **1:35**
